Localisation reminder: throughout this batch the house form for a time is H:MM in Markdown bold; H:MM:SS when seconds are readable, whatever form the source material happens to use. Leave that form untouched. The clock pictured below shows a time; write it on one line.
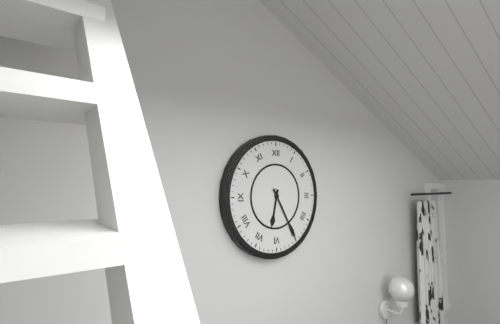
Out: **6:25**
